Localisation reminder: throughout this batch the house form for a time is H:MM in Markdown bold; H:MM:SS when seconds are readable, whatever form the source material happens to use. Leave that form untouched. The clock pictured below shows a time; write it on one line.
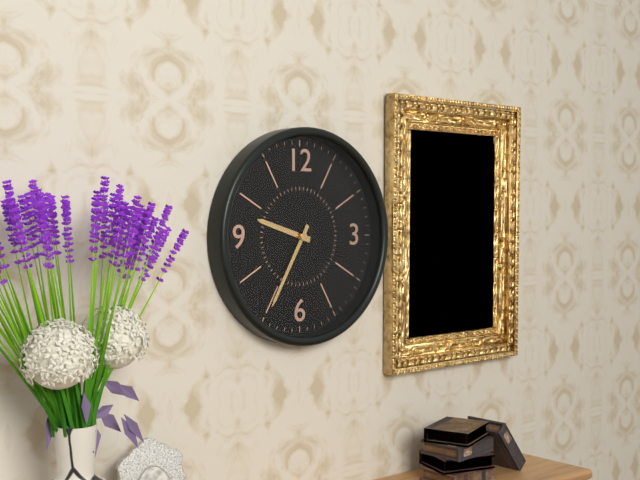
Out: **9:35**
